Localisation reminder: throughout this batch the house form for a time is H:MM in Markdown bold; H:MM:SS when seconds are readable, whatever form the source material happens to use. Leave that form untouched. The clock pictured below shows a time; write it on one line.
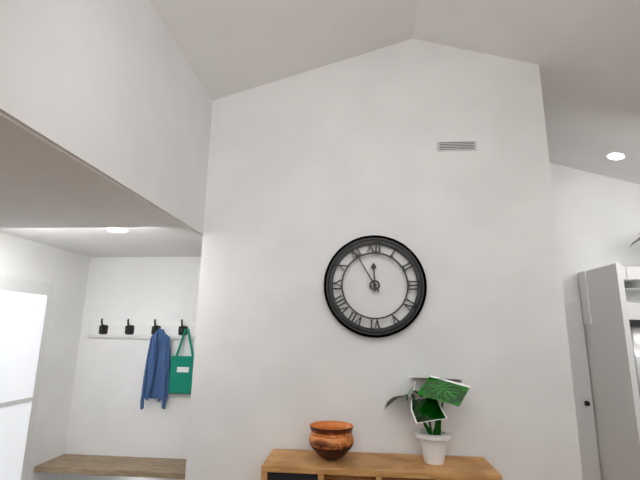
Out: **11:55**
